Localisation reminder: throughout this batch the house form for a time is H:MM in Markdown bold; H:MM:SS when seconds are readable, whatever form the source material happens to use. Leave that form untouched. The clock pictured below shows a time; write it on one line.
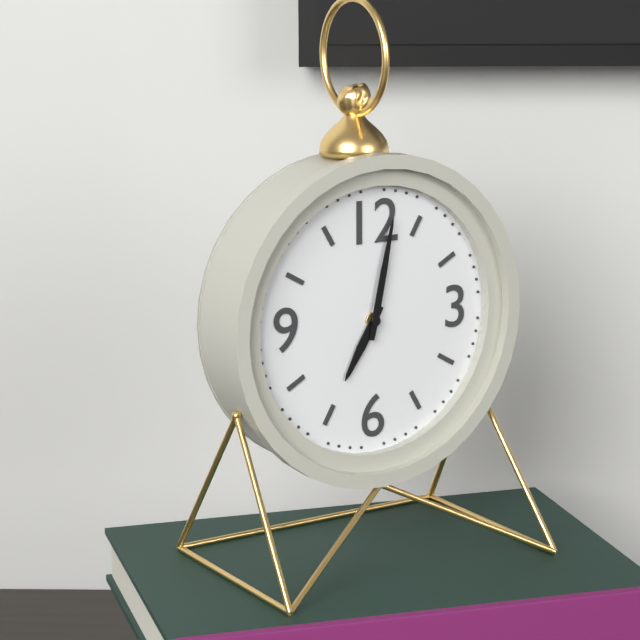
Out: **7:02**
